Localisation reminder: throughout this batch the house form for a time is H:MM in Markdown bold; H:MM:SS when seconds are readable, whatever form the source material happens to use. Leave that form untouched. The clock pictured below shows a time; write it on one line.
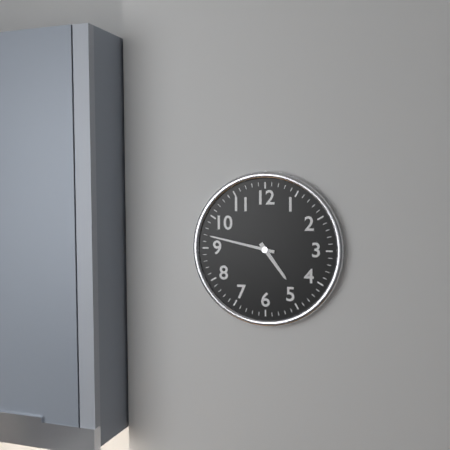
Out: **4:47**
